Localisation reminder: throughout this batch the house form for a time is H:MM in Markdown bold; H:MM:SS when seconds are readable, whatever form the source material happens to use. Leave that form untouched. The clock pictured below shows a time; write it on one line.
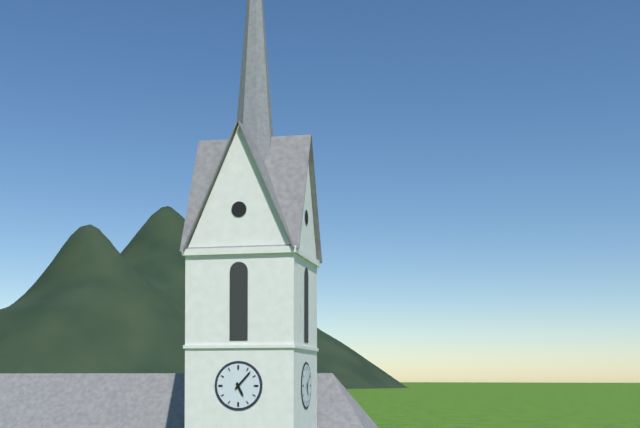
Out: **5:07**
